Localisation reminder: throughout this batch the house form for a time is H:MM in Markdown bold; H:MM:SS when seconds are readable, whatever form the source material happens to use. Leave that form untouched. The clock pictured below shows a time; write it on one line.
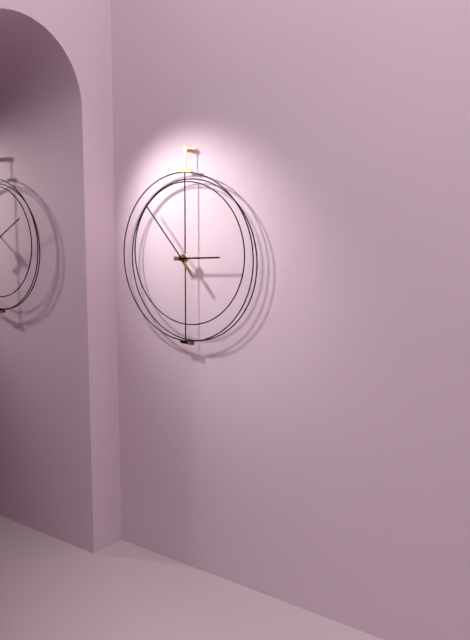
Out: **2:53**
